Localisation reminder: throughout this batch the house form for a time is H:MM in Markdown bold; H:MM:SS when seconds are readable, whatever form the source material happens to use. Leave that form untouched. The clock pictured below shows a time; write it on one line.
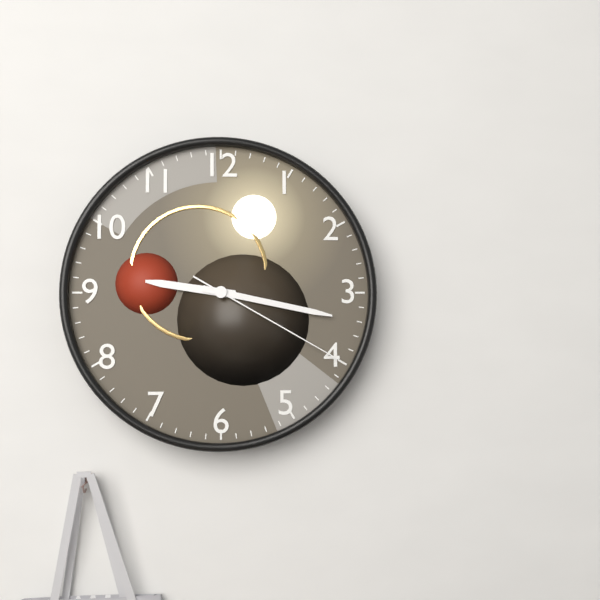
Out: **9:17:20**
